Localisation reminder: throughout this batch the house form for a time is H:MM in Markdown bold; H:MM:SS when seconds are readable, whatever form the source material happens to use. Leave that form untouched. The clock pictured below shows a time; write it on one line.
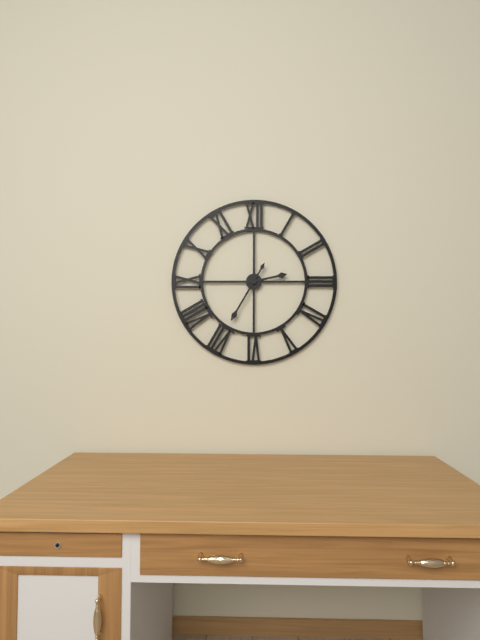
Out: **2:35**
